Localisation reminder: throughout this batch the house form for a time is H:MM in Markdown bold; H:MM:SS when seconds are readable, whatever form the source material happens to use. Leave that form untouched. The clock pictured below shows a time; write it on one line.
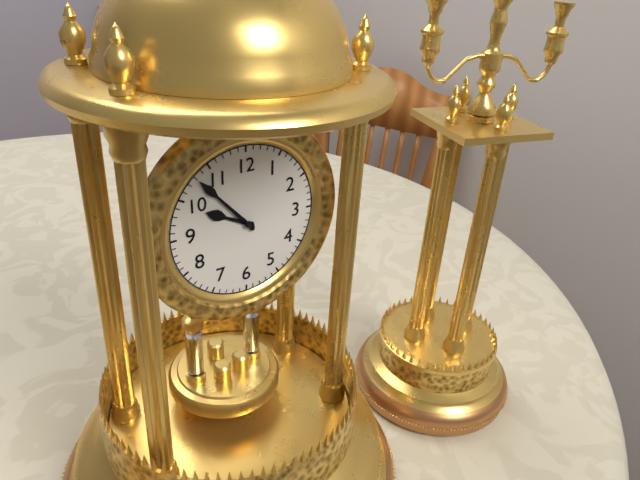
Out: **9:53**
